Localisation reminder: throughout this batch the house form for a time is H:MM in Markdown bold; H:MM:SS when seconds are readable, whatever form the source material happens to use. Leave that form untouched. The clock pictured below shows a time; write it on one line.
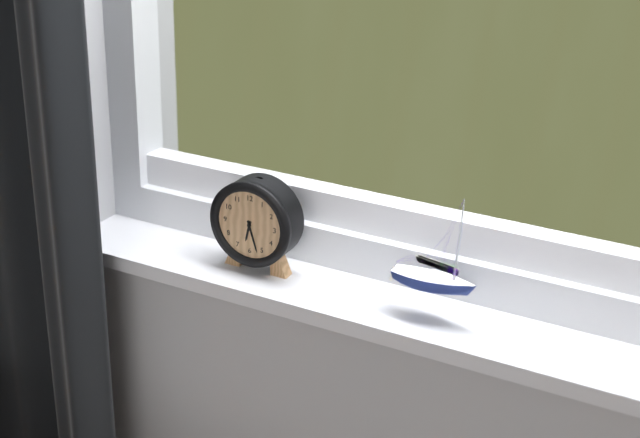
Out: **6:27**
